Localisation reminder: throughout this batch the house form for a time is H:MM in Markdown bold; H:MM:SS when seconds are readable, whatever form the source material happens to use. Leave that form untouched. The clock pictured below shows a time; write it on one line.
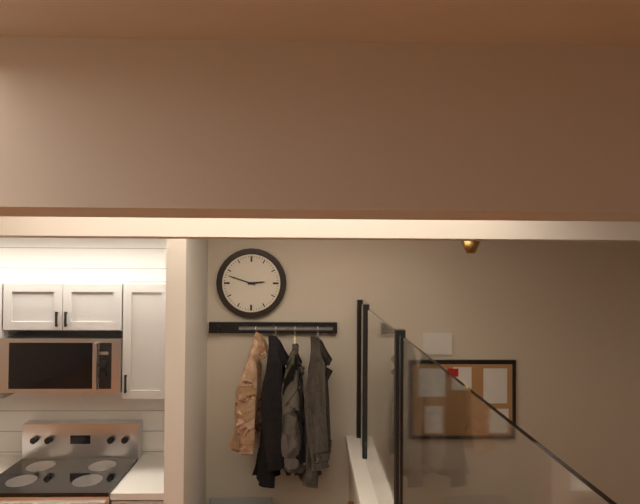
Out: **2:48**
